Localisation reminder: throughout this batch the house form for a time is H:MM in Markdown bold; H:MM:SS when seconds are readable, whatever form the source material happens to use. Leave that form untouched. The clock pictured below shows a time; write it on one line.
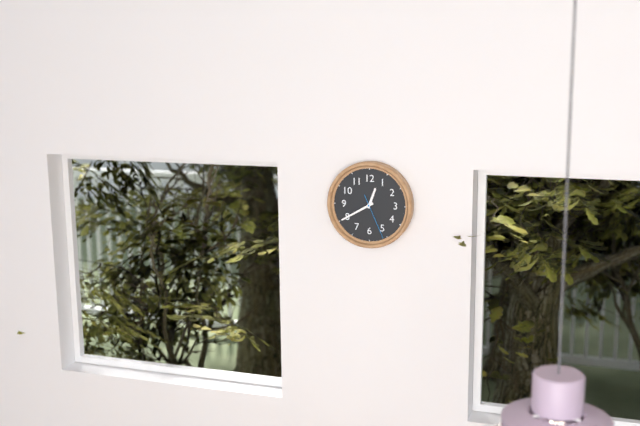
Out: **12:40**
